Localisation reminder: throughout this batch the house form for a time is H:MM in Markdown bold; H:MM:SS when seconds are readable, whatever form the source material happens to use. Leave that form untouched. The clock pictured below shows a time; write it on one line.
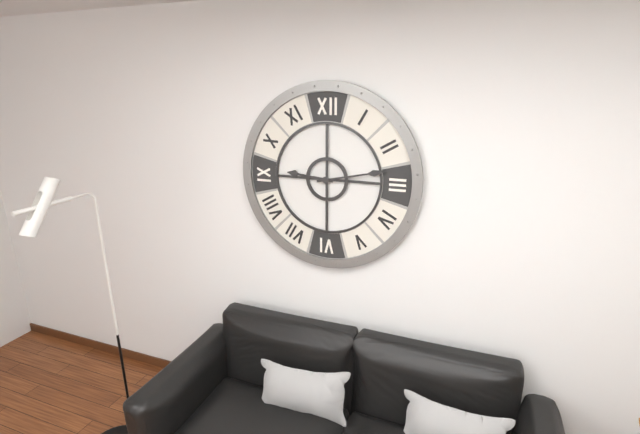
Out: **9:13**
